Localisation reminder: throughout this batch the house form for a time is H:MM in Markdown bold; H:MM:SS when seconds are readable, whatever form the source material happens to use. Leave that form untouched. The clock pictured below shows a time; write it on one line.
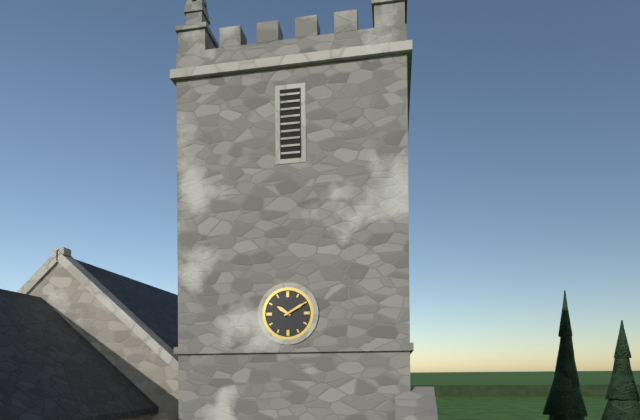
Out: **10:10**
